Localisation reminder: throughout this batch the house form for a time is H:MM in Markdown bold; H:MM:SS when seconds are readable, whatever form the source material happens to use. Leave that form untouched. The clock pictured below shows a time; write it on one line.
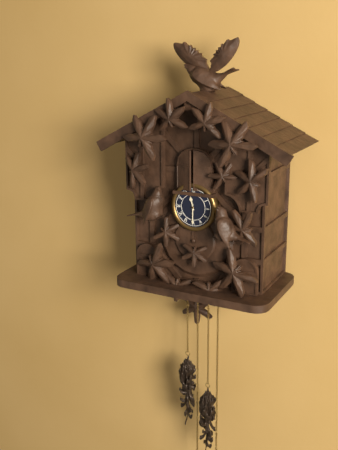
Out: **11:30**
